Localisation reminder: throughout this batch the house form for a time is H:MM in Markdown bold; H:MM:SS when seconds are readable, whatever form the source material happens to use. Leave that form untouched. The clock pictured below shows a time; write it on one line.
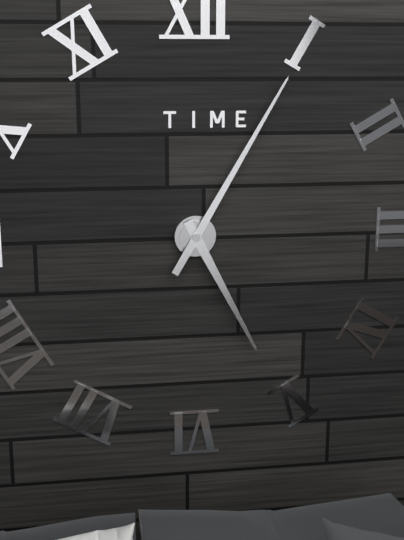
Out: **5:05**
